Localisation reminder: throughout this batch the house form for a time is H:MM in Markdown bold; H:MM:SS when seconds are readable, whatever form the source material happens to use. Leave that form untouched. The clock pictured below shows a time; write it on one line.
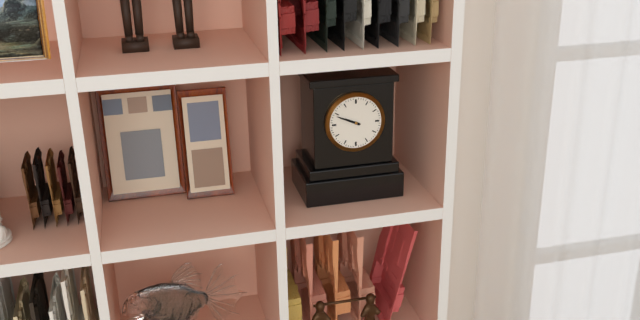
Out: **9:49**
